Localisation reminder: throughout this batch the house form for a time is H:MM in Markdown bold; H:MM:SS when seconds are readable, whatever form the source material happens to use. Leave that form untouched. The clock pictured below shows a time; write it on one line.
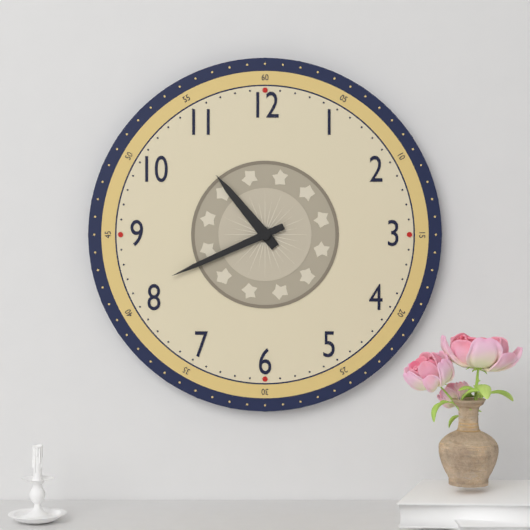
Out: **10:41**
